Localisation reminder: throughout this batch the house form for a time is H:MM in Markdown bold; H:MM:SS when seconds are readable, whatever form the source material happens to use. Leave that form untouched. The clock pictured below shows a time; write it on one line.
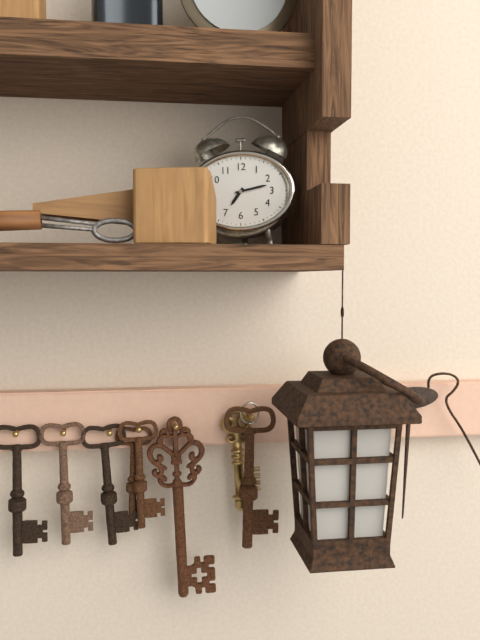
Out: **7:13**
